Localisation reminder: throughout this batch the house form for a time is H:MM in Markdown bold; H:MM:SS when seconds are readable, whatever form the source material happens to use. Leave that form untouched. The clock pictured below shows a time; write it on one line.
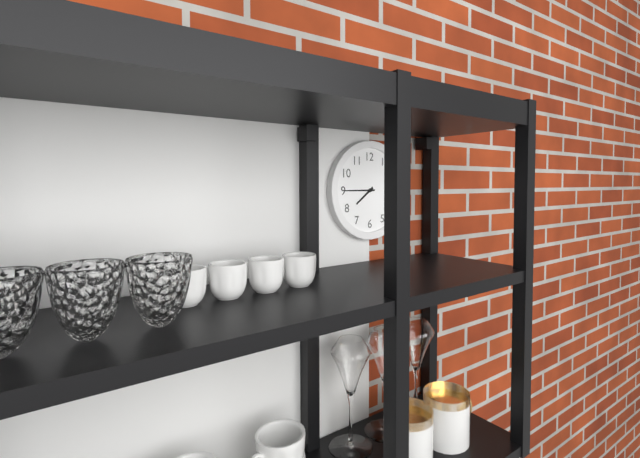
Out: **7:45**
